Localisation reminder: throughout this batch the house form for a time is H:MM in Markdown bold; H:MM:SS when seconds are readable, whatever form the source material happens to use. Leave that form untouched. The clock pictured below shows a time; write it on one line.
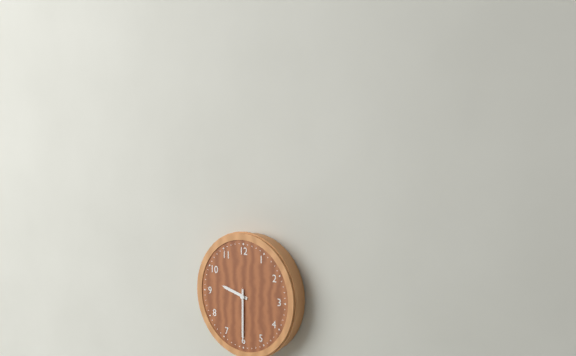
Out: **9:30**
